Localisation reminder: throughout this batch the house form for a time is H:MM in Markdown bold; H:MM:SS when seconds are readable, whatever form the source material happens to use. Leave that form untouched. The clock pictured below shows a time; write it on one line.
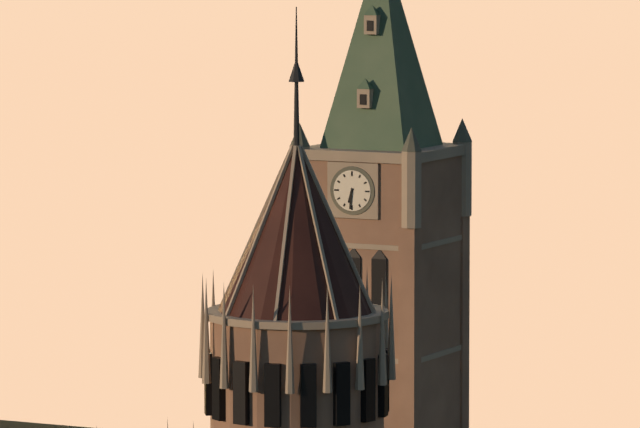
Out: **6:31**
